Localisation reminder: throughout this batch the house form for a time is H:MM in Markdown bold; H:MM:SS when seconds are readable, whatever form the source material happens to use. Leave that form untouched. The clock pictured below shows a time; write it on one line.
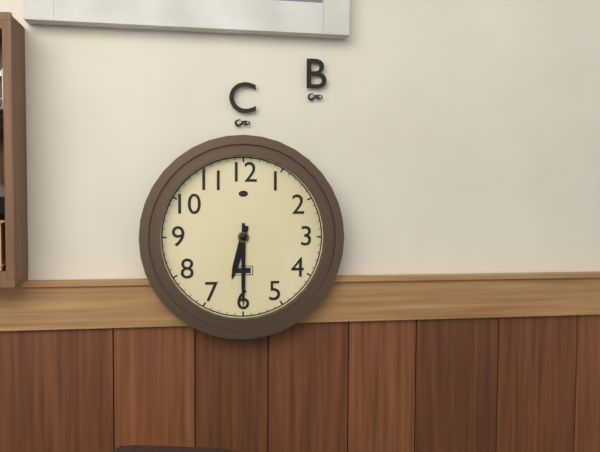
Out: **6:30**
